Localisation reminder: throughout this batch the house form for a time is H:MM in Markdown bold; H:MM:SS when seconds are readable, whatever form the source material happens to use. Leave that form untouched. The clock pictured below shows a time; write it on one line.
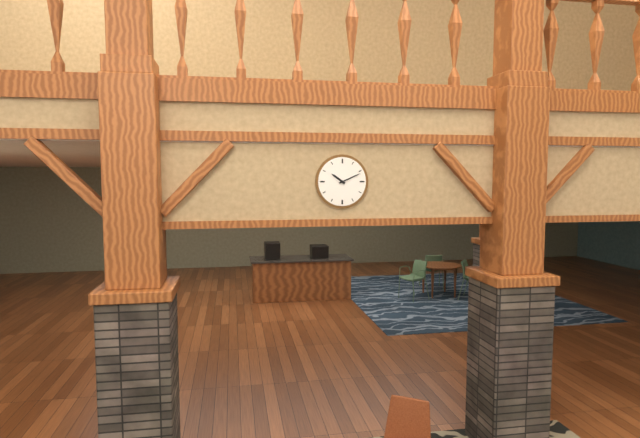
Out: **10:11**
